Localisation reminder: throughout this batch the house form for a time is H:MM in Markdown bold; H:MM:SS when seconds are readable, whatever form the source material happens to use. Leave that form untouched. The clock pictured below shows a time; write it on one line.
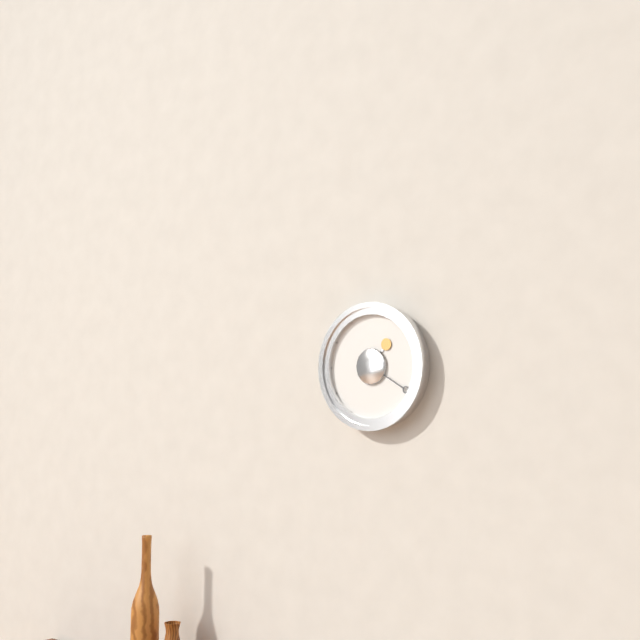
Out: **1:20**
